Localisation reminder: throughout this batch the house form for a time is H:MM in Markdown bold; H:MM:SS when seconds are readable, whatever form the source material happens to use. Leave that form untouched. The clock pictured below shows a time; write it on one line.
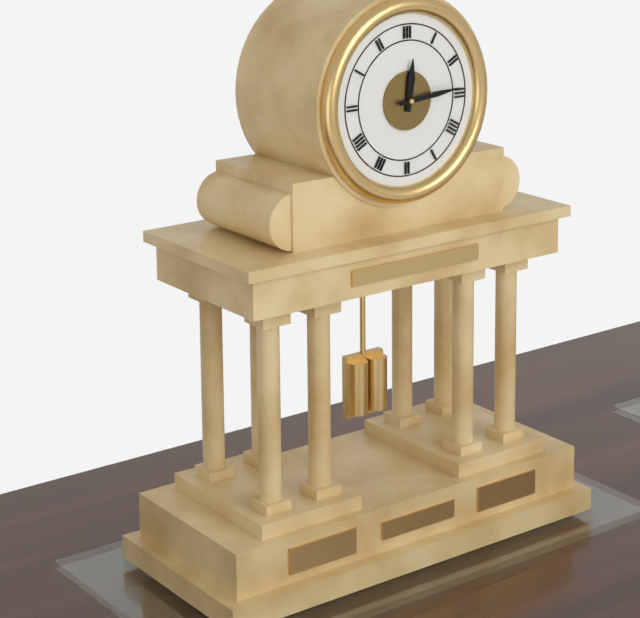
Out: **12:14**
